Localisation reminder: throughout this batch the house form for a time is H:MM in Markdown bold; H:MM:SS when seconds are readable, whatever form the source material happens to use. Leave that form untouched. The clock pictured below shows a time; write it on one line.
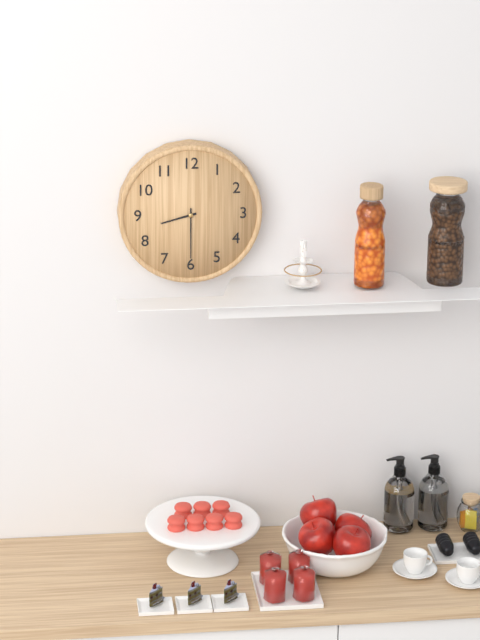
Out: **8:30**
